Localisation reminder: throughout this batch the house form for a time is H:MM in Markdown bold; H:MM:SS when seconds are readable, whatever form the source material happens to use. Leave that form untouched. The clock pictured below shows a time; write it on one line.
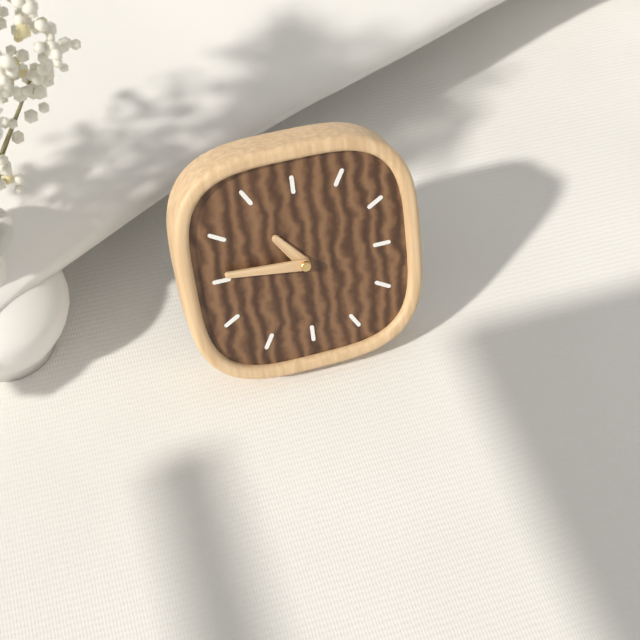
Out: **10:46**
